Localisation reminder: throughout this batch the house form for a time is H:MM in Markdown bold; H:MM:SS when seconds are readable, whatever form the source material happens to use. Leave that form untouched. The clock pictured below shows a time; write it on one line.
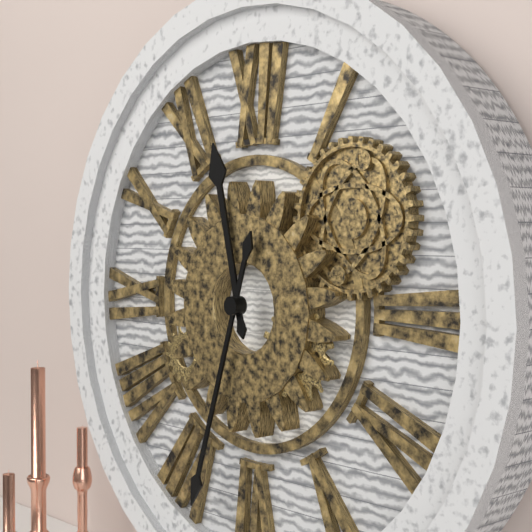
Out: **11:33**
